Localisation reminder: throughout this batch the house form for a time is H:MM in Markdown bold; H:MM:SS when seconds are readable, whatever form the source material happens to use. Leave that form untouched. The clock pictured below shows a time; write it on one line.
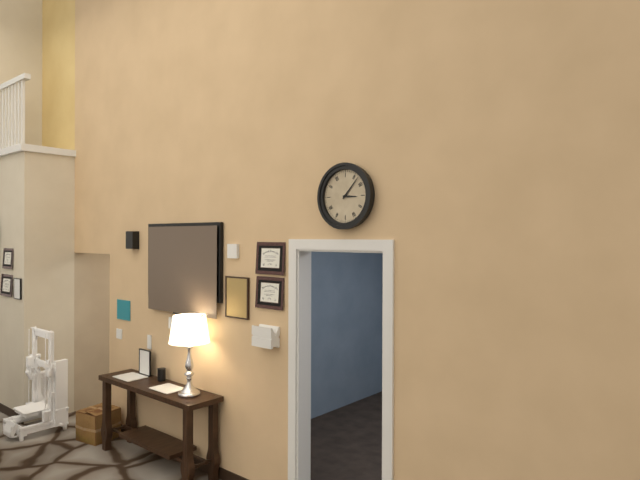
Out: **3:07**
